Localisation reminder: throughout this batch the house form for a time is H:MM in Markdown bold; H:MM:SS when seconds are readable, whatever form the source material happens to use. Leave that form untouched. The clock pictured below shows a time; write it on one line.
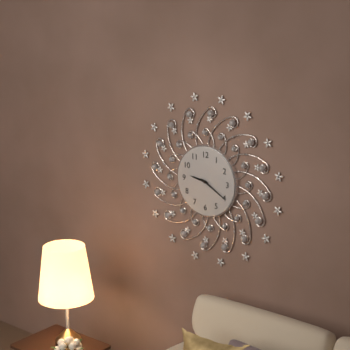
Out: **9:20**
